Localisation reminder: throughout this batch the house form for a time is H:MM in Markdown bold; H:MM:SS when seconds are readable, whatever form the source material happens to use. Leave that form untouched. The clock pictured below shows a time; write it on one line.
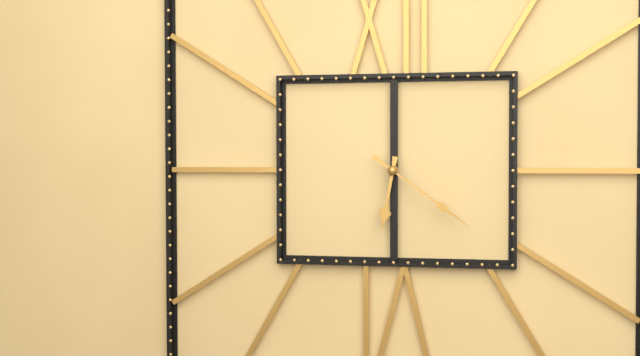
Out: **6:21**
